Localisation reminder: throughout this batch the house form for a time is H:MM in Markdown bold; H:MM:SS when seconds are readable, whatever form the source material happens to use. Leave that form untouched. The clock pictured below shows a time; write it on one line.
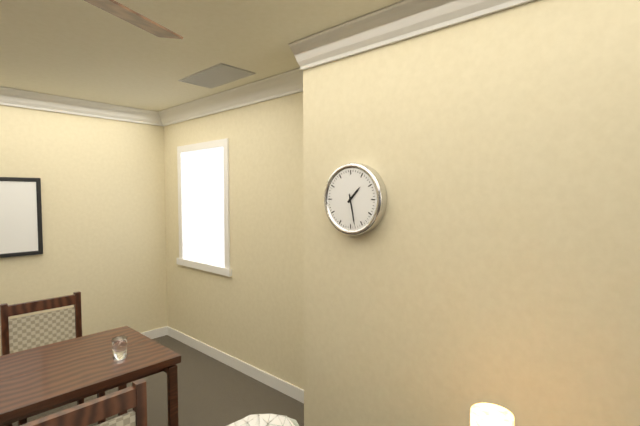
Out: **1:28**
